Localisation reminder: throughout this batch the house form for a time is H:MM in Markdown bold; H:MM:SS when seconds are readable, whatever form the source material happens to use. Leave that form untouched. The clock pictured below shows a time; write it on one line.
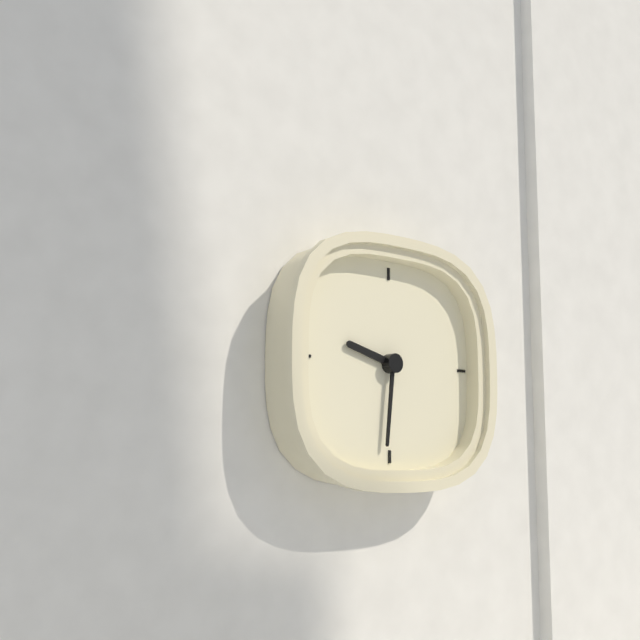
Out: **9:31**
